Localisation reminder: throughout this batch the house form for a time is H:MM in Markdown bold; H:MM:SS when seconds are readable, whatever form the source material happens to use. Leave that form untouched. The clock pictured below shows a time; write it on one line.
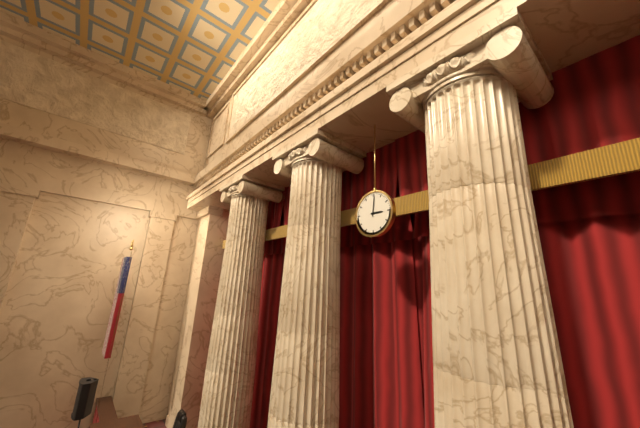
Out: **3:01**
